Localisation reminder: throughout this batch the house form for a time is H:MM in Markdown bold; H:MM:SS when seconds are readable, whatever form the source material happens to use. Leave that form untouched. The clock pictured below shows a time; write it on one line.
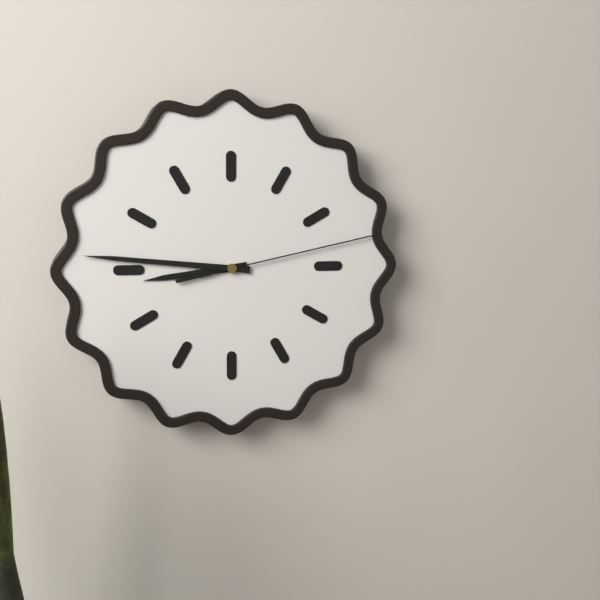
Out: **8:46:13**
